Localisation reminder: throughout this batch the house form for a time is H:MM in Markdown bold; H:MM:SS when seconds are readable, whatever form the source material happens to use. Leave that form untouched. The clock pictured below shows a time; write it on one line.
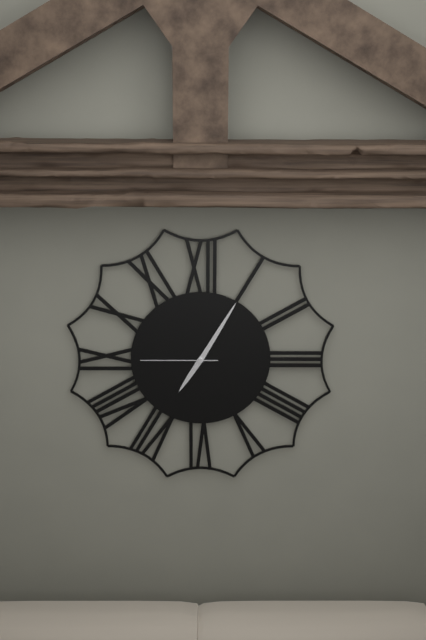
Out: **7:05:45**
